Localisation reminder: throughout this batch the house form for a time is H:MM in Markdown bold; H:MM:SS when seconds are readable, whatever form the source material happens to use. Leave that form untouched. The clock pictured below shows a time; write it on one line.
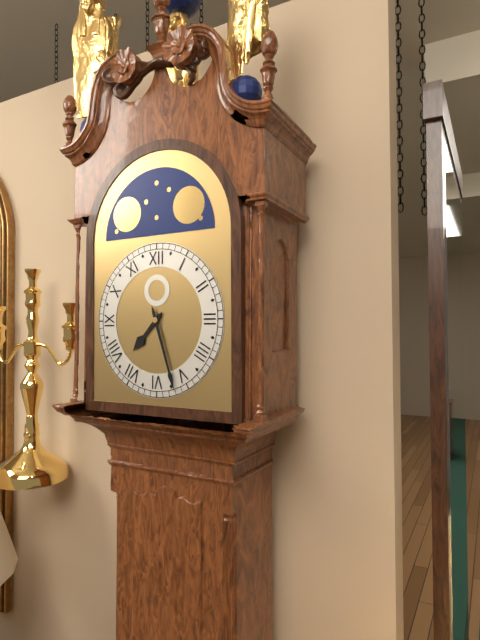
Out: **7:27**
